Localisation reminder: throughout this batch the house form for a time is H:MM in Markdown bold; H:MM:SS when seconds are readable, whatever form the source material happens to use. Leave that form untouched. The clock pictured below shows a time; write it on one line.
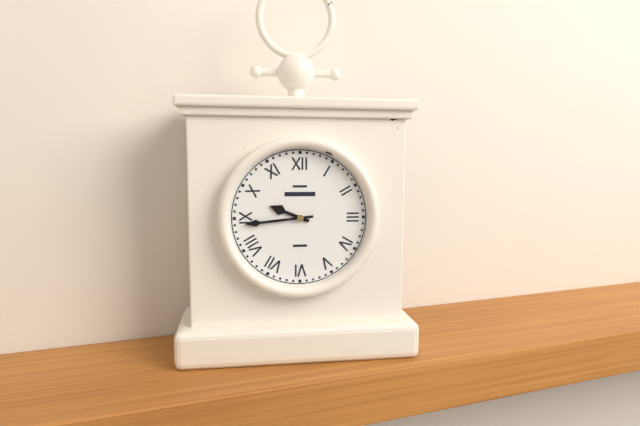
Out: **9:44**
